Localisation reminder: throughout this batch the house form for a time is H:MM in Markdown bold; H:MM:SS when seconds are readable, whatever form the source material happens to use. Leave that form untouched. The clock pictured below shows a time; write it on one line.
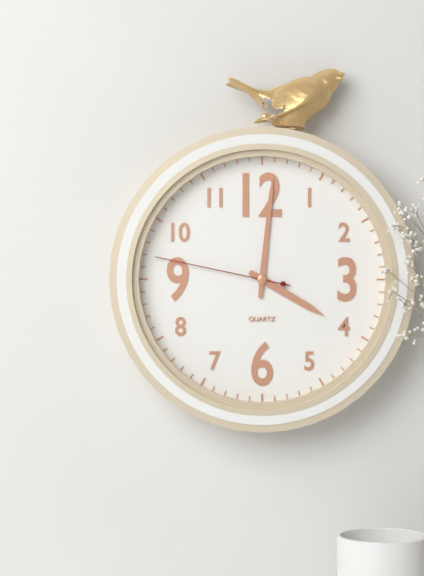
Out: **4:01:47**
